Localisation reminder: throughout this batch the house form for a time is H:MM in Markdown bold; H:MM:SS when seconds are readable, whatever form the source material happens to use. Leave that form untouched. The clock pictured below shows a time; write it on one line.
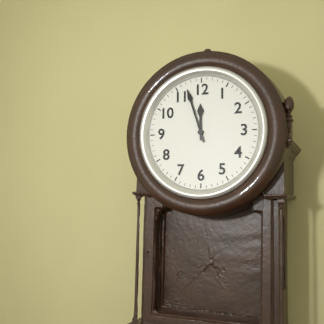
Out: **11:57**
